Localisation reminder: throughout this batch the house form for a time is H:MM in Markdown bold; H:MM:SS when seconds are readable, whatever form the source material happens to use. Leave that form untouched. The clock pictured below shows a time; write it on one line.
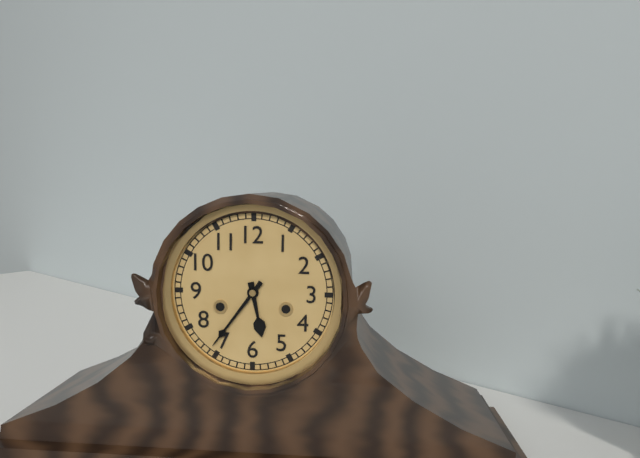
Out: **5:36**
